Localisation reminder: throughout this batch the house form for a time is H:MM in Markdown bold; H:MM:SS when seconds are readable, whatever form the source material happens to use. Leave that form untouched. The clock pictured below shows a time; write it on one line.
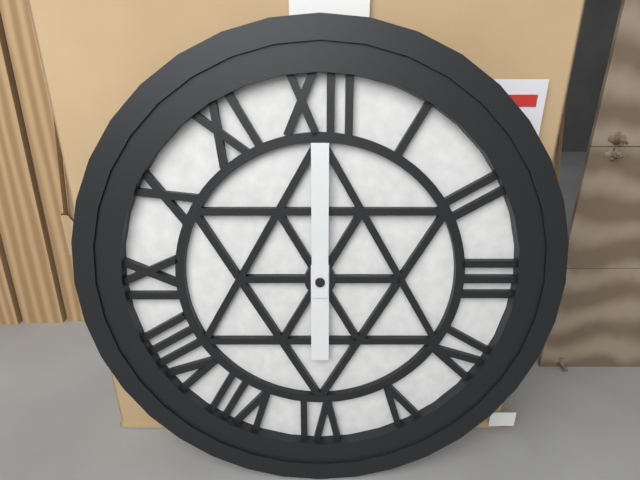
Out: **6:00**
